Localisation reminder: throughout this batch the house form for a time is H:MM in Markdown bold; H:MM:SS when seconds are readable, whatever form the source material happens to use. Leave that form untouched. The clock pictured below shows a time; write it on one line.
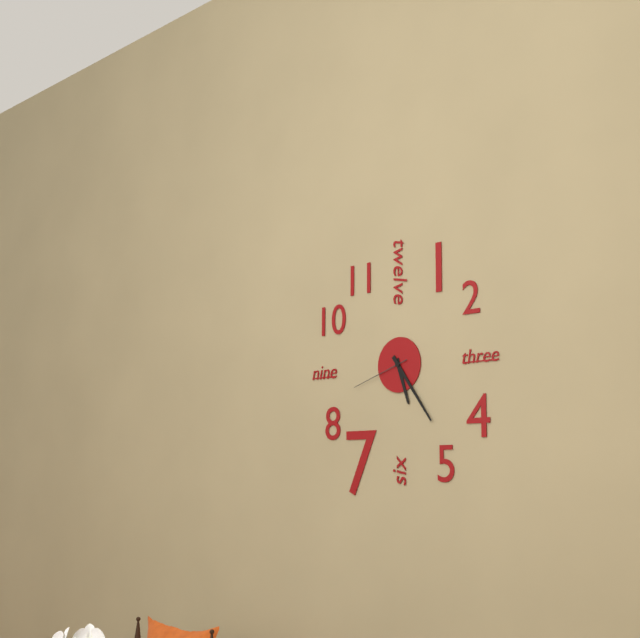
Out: **5:24:42**
